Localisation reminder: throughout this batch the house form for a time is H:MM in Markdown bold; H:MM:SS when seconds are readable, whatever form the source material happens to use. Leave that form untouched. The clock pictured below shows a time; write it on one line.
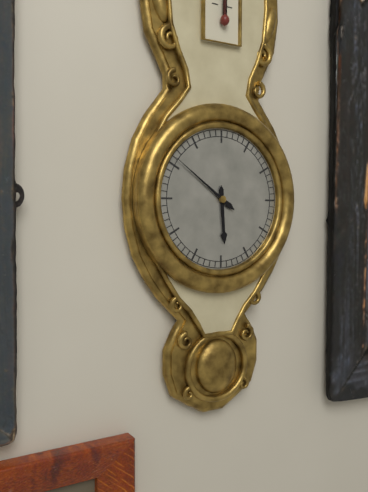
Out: **5:51**
